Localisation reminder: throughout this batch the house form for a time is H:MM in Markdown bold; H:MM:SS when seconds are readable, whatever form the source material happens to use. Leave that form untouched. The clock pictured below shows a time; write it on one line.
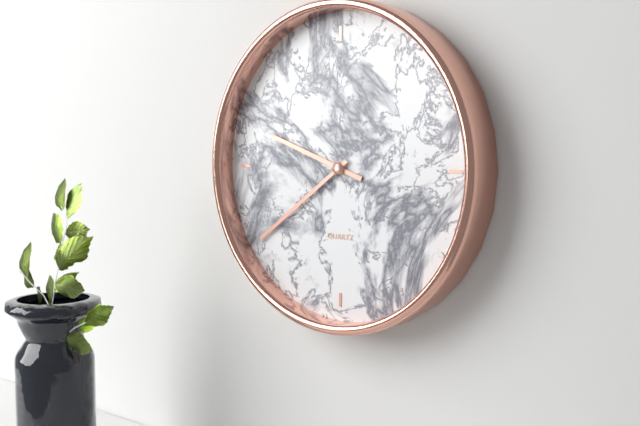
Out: **9:39**
